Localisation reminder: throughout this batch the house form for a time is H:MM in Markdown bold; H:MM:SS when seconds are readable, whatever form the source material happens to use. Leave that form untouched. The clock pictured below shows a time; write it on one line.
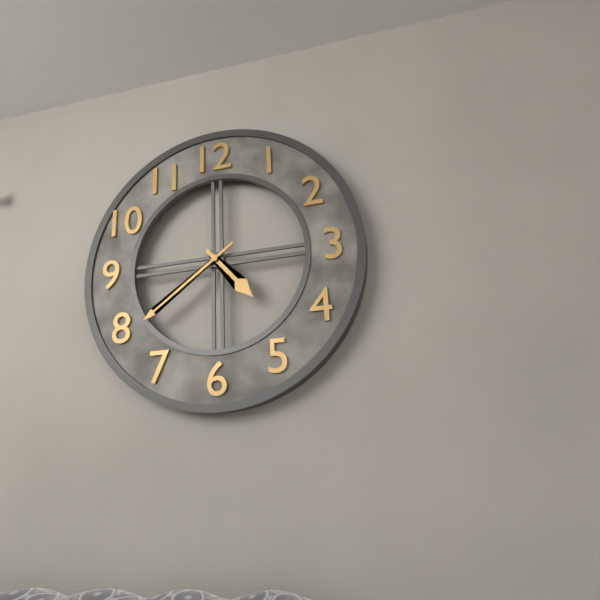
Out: **4:39**
